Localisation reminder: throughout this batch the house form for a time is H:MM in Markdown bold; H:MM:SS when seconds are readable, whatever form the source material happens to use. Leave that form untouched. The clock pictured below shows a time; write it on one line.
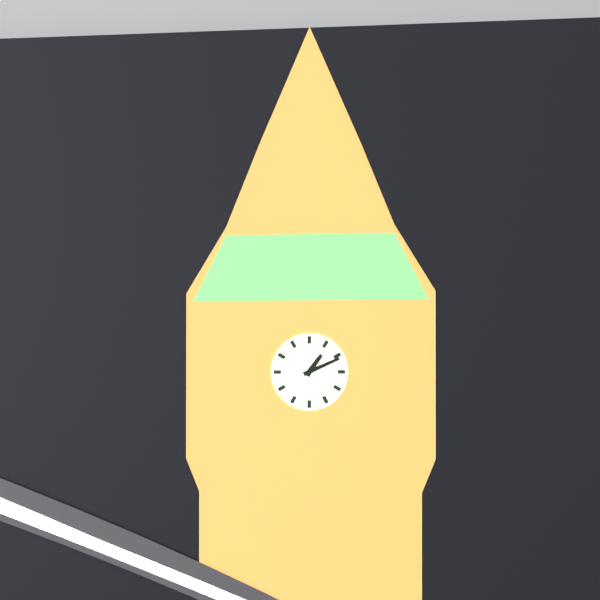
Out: **1:11**
